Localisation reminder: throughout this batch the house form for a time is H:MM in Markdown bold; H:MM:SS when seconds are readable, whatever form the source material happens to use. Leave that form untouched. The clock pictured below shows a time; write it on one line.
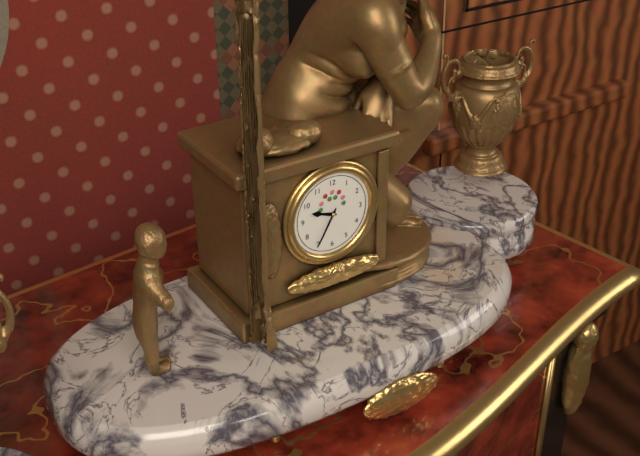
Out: **9:35**
